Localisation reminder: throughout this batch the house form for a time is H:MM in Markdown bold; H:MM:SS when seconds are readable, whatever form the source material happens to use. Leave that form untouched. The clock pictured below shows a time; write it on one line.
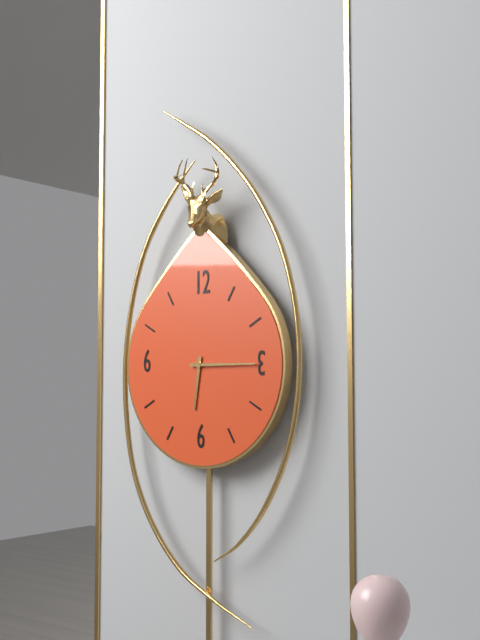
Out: **6:15**
